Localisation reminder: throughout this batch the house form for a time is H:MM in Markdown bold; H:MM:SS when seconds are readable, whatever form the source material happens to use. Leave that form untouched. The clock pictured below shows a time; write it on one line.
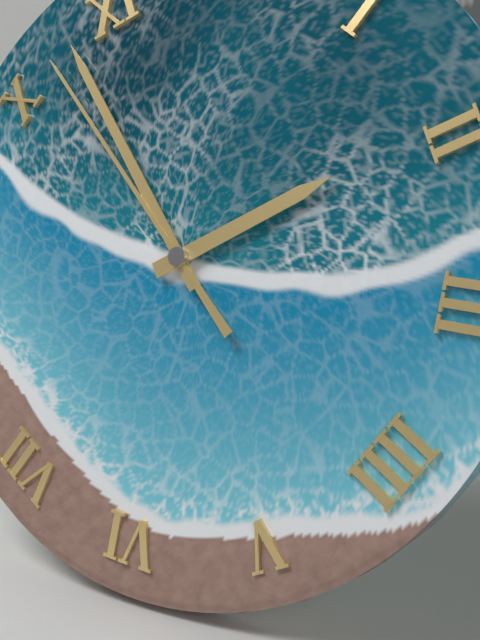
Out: **1:53:52**
